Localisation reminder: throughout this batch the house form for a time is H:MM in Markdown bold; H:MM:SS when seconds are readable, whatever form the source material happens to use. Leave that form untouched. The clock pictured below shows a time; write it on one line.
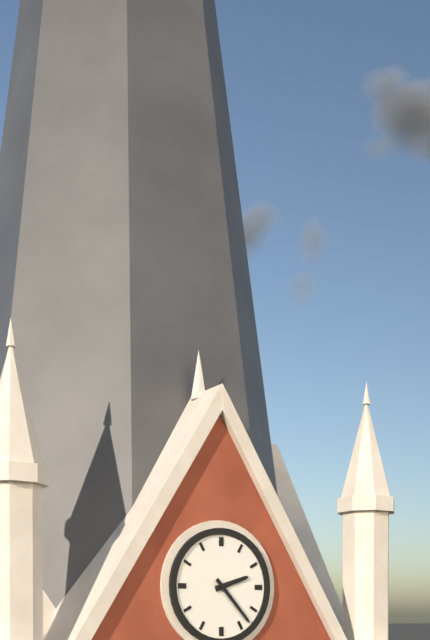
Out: **2:23**
